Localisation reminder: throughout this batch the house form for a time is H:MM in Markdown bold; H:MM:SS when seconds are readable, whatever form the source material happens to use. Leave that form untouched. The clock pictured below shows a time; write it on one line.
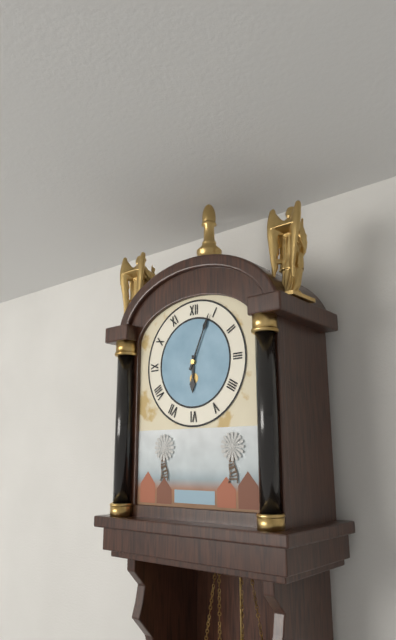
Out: **6:04**
